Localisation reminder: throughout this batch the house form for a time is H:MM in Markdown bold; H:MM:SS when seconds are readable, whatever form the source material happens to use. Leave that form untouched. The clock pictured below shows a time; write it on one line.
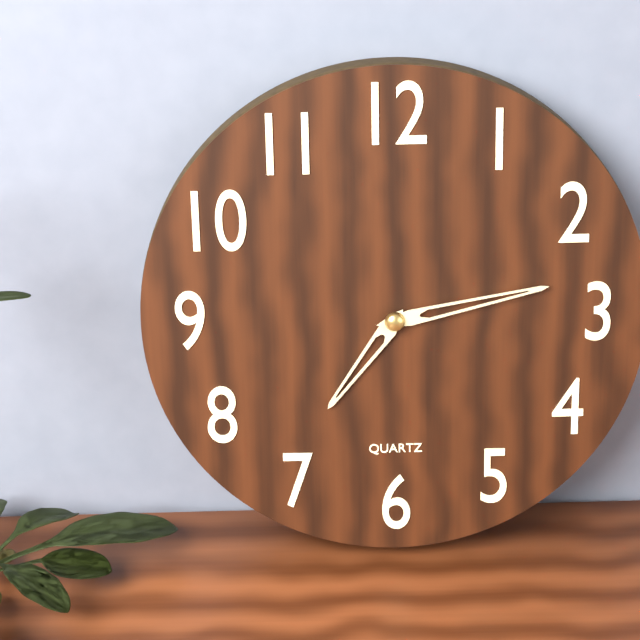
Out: **7:13**
